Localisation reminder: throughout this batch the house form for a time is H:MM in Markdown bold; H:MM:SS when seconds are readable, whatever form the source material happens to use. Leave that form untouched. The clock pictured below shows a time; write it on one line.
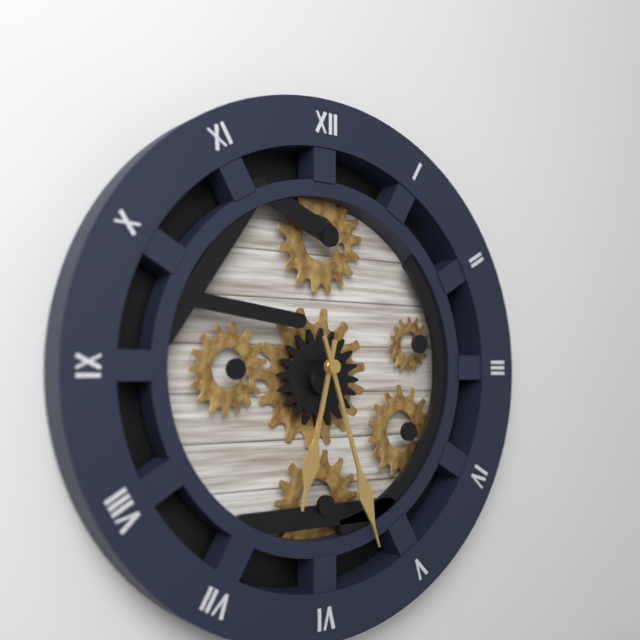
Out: **6:27**
